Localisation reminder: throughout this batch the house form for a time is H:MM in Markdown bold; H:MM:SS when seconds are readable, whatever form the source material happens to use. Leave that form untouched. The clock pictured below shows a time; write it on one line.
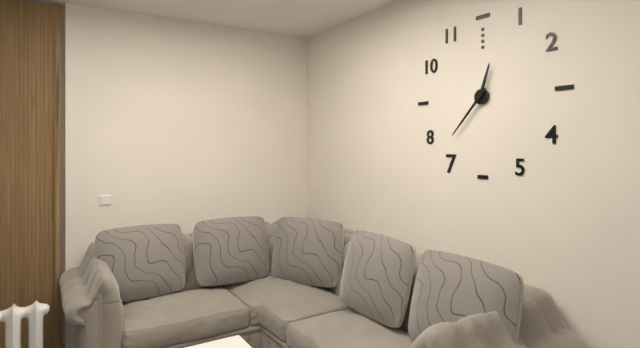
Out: **12:37**
